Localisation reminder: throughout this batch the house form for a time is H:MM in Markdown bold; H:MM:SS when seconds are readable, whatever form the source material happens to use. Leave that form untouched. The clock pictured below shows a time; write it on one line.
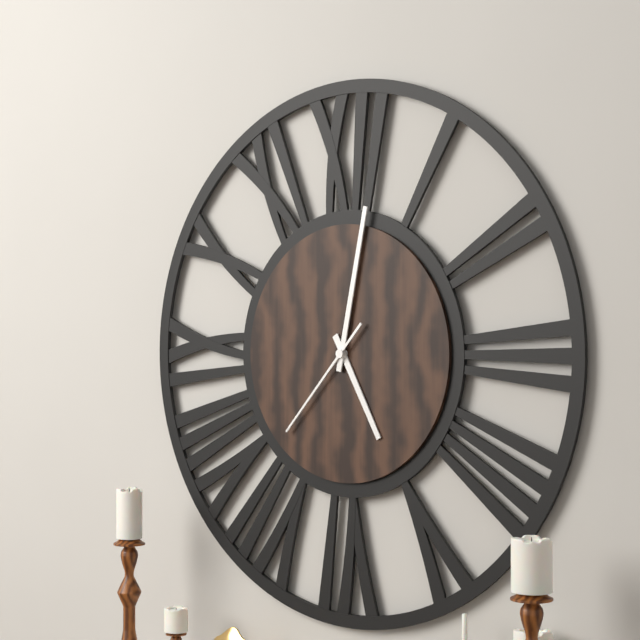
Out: **5:02:37**
